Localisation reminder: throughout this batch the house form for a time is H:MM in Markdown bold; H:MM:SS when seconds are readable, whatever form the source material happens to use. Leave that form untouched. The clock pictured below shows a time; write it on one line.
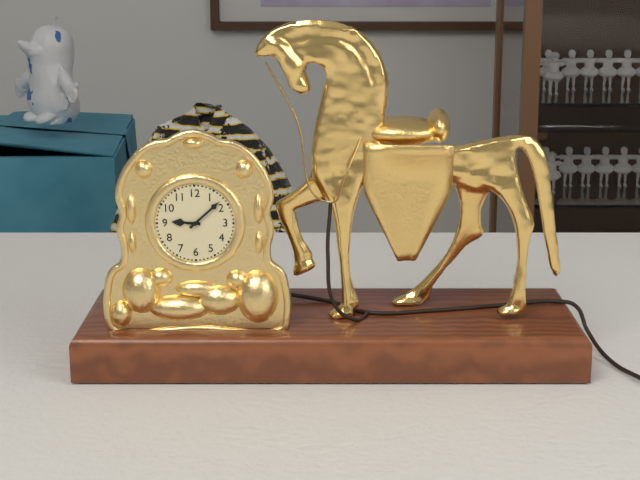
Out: **9:08**
